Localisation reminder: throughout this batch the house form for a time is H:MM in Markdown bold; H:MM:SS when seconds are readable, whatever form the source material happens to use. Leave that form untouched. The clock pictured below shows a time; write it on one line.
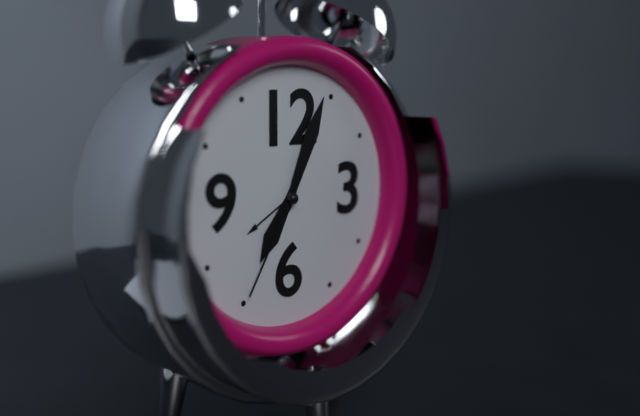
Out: **7:04:35**
